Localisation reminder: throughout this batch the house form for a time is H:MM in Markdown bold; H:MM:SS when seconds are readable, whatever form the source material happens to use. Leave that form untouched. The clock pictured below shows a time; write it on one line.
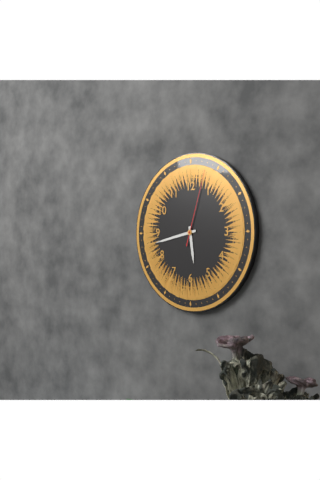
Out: **5:43:03**
